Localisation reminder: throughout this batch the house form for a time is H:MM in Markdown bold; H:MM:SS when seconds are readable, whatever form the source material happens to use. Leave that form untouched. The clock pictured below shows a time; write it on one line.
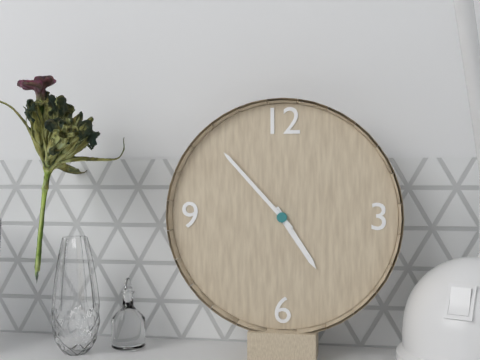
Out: **4:53**
